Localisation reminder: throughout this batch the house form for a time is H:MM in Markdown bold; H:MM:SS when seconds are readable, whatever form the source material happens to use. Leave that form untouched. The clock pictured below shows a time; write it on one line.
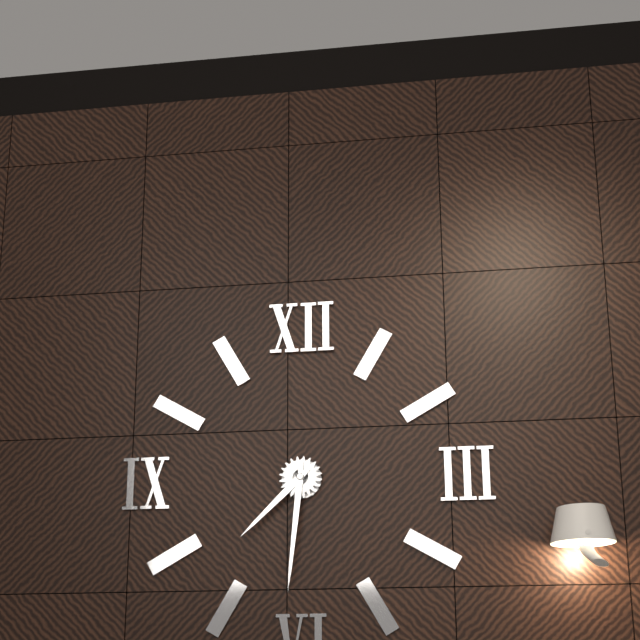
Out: **7:31**
